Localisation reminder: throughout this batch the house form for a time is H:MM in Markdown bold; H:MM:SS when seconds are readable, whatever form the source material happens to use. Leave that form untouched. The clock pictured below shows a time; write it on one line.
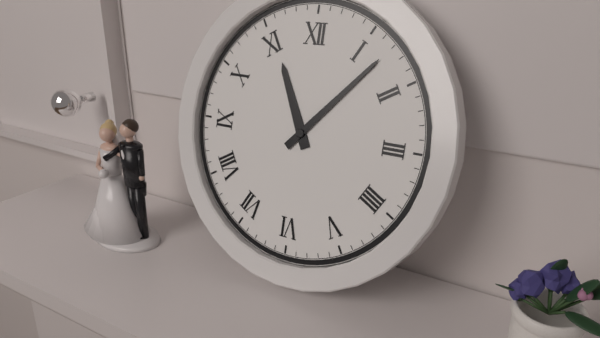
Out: **11:07**
